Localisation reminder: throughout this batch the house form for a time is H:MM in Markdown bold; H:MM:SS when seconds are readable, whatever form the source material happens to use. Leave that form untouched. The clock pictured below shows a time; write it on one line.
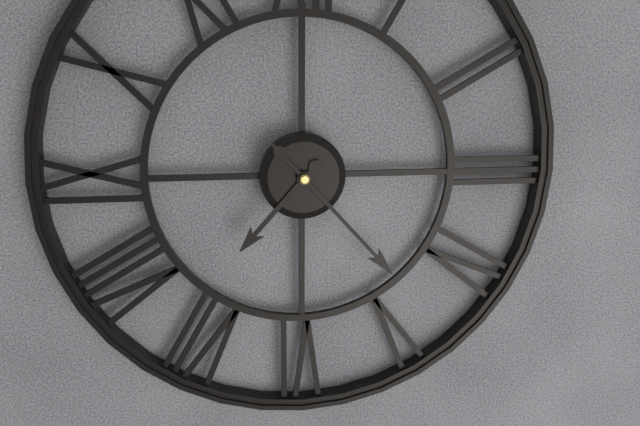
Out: **7:23**
